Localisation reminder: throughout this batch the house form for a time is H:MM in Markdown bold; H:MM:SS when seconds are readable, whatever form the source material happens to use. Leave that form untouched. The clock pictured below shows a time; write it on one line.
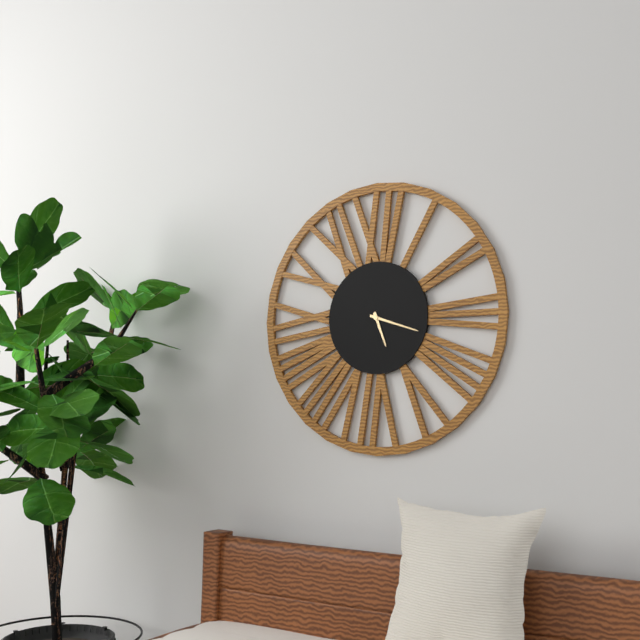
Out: **5:18**
